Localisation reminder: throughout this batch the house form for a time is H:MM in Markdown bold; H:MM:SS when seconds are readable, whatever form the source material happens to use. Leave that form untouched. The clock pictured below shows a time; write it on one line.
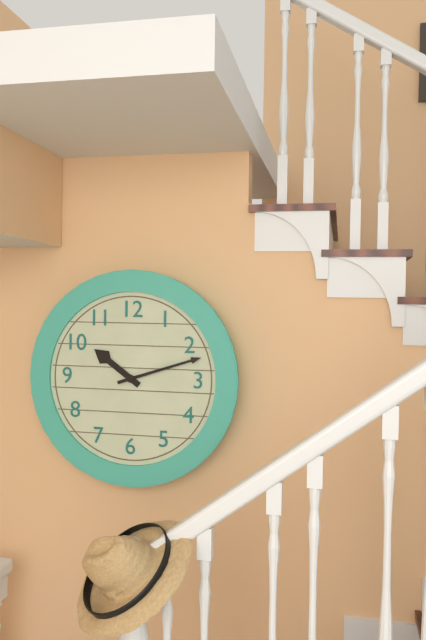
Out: **10:12**
